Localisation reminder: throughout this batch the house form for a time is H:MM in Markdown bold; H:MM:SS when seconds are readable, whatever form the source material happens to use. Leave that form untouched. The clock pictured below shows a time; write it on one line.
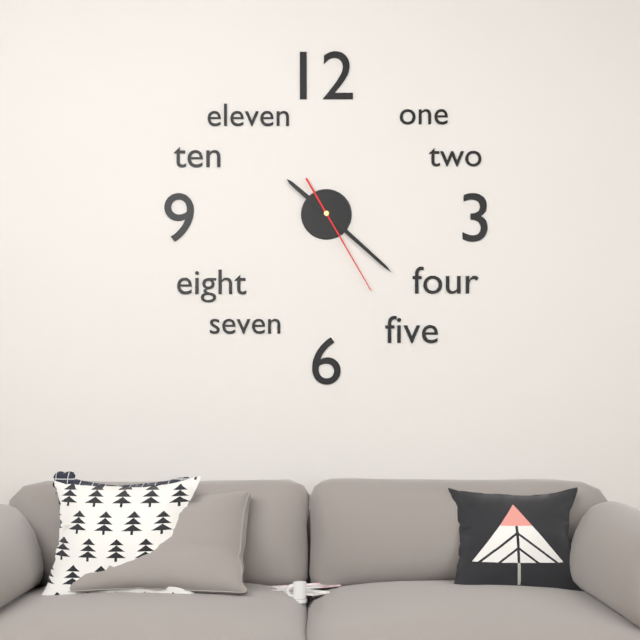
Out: **10:22:25**
